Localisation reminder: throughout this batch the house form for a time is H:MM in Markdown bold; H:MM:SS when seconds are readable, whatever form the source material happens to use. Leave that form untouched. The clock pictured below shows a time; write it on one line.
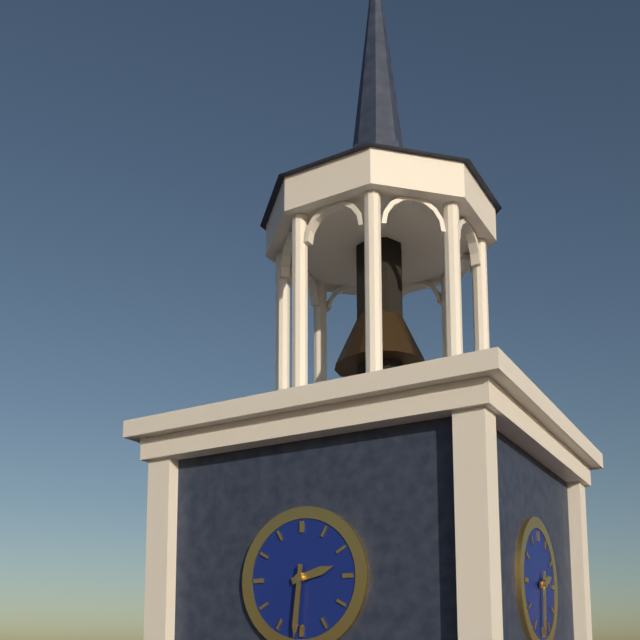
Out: **2:31**
